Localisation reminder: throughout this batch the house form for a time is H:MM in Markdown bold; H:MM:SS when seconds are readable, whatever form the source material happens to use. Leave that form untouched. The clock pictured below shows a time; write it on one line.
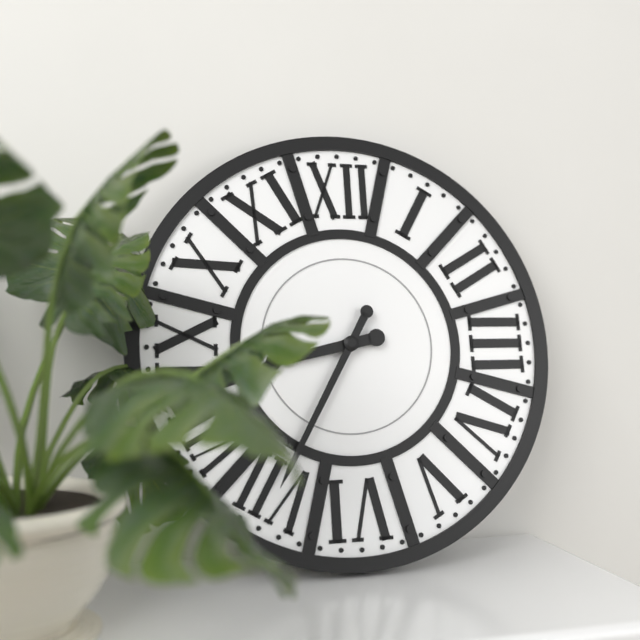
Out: **8:35**
